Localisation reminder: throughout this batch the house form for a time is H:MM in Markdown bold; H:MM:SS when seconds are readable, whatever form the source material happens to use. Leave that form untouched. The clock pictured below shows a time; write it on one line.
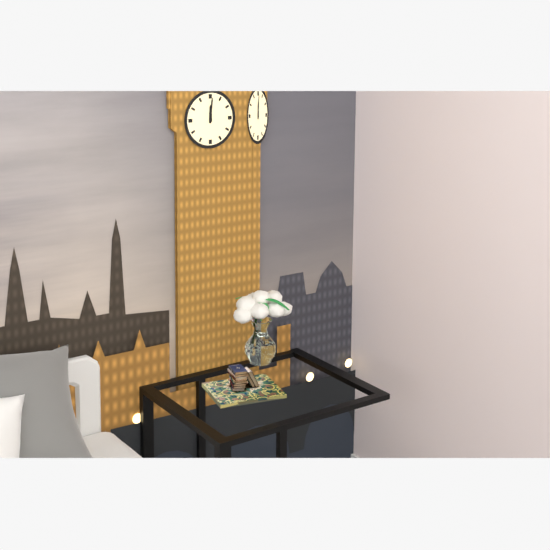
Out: **12:01**
